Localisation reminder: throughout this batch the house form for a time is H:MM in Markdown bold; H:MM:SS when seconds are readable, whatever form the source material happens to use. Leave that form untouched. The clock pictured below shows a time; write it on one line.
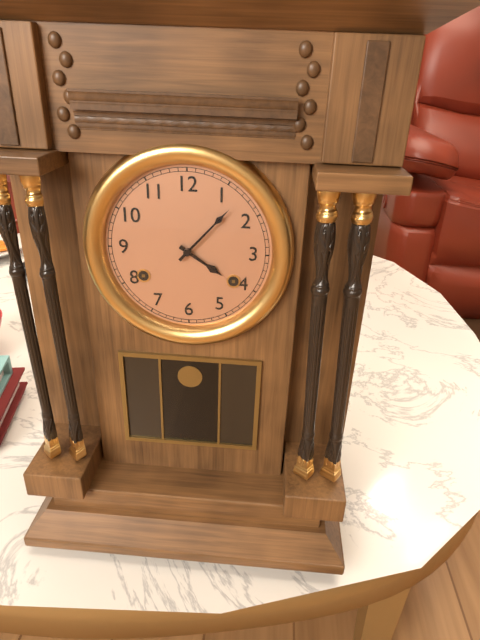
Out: **4:07**
